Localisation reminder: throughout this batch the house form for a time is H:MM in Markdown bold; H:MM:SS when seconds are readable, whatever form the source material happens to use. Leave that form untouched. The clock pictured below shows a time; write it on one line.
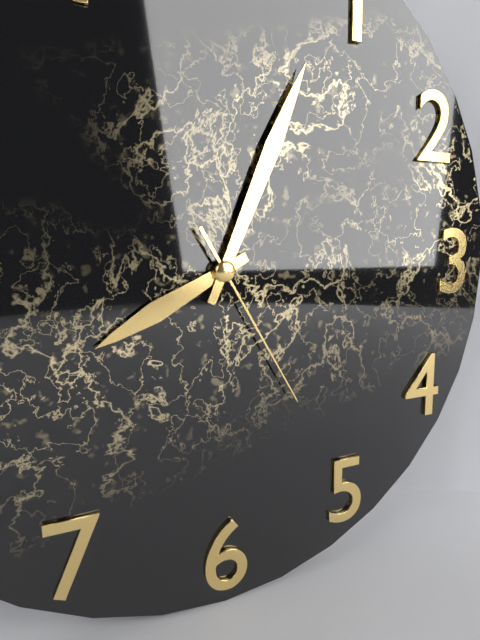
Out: **8:04:25**
